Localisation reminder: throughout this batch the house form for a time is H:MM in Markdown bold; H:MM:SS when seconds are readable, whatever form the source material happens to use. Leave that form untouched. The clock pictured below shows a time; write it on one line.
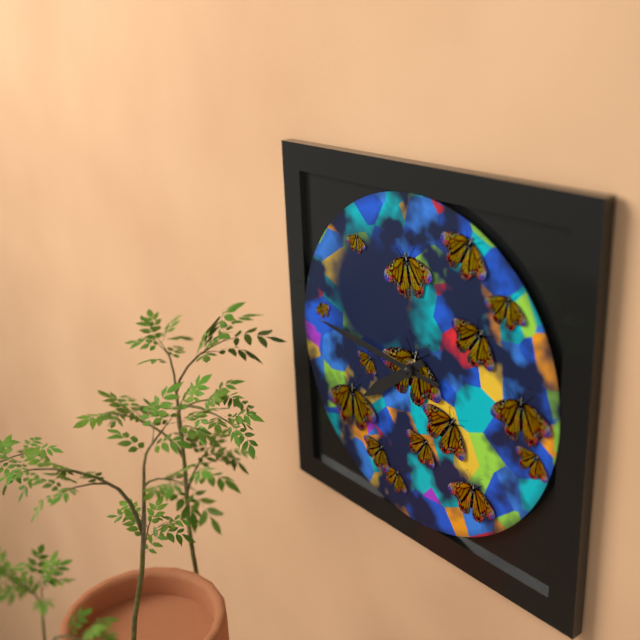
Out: **7:46**
